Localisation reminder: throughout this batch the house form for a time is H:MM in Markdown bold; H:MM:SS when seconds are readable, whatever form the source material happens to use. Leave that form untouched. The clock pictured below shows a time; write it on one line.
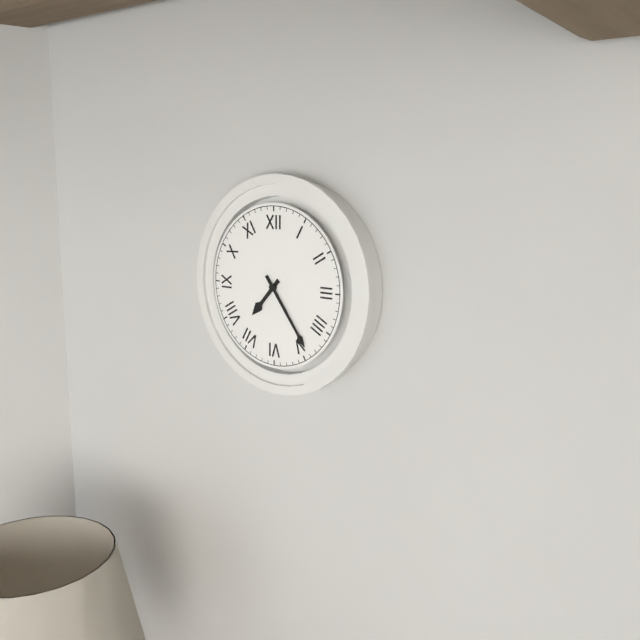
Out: **7:24**
